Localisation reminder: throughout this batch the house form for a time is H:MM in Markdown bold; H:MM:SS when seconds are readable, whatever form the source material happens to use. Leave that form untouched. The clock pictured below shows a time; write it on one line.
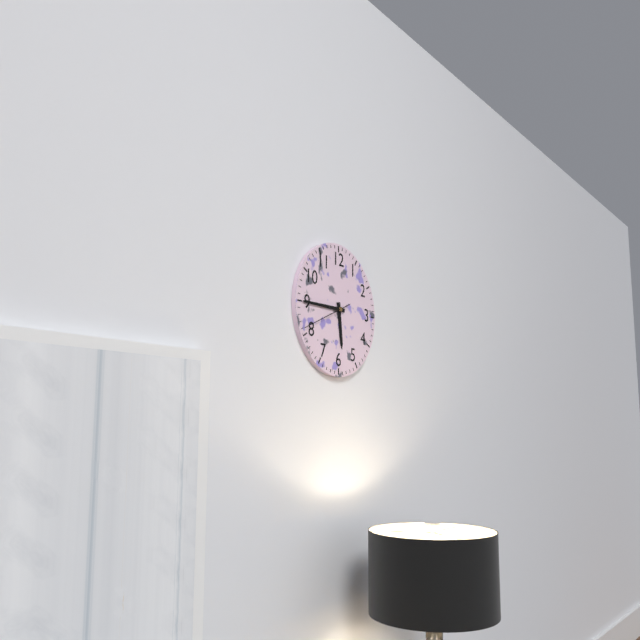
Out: **5:45**
